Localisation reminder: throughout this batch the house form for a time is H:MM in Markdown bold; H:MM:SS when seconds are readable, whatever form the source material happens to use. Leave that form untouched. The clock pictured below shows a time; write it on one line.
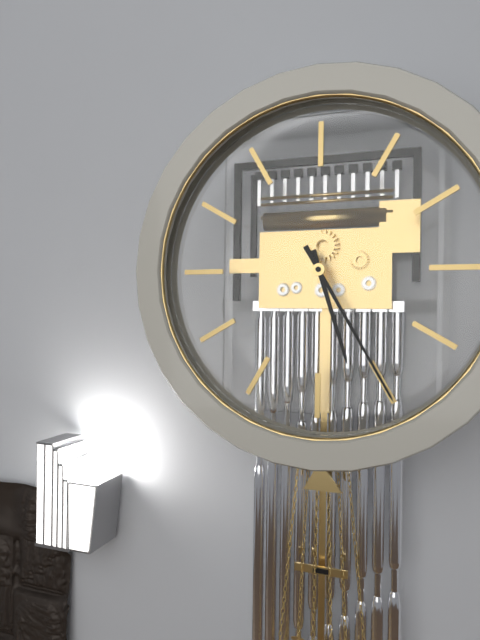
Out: **5:25**
